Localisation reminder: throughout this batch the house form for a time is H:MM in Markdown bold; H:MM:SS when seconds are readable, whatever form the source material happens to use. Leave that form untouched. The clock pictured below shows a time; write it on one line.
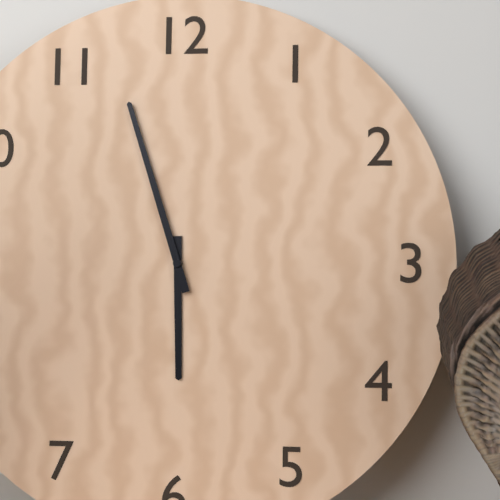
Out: **5:57**
